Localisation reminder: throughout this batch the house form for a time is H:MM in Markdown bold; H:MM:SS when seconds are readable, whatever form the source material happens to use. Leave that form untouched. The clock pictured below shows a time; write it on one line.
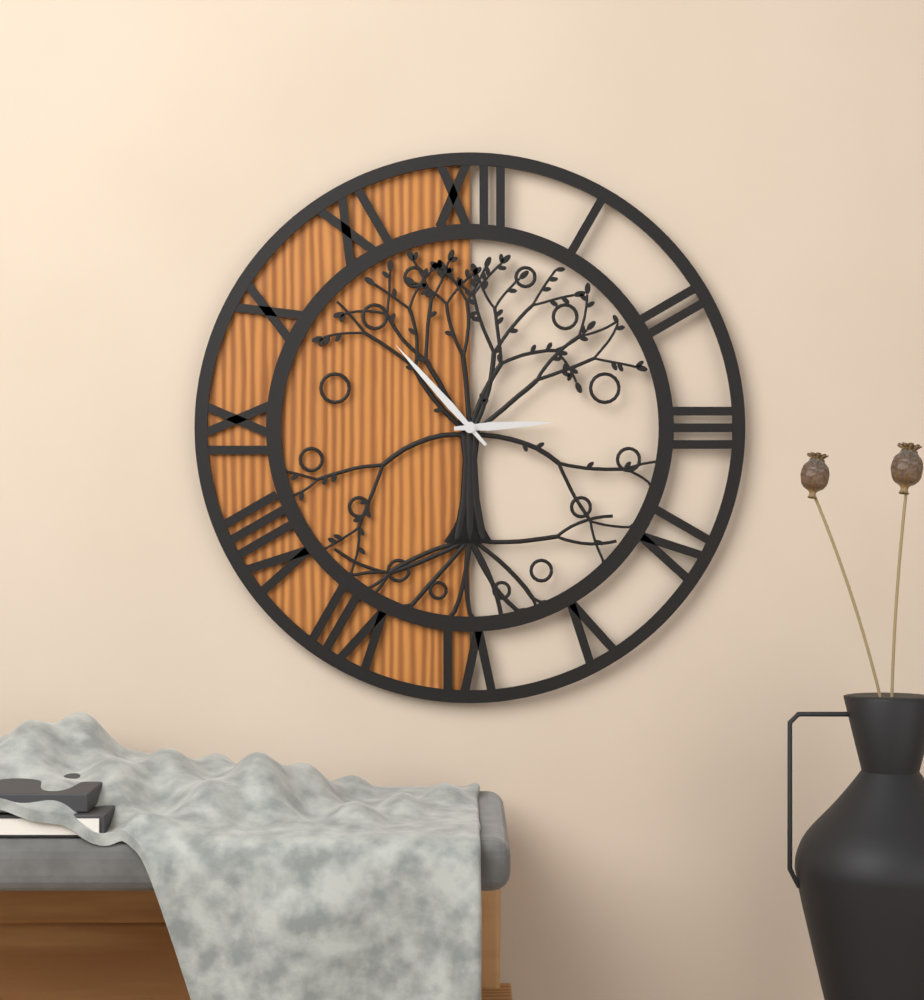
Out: **2:53**
